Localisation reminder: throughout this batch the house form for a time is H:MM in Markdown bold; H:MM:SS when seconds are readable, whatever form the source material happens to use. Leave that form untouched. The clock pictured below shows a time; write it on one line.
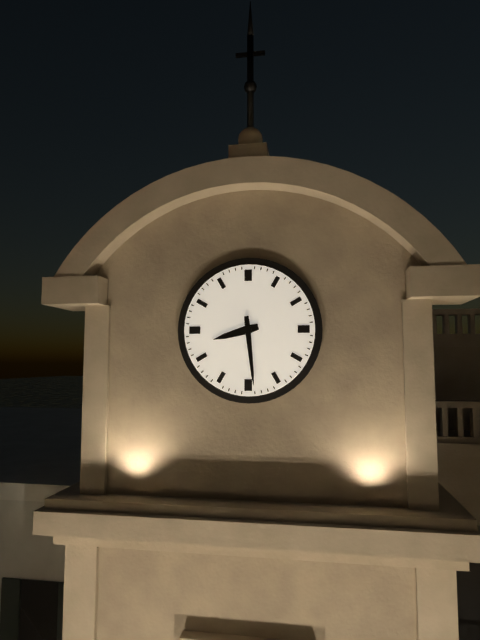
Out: **8:29**
